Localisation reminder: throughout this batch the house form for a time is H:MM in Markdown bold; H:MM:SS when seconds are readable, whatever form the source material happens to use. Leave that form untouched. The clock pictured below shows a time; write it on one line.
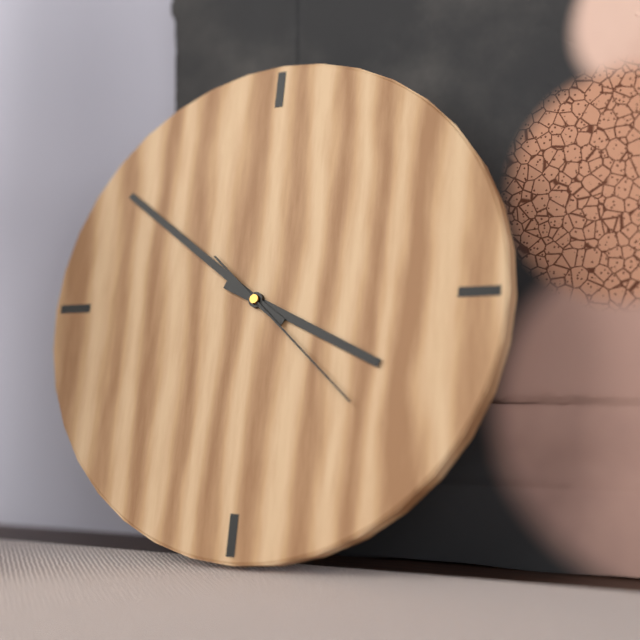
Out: **3:51:22**
